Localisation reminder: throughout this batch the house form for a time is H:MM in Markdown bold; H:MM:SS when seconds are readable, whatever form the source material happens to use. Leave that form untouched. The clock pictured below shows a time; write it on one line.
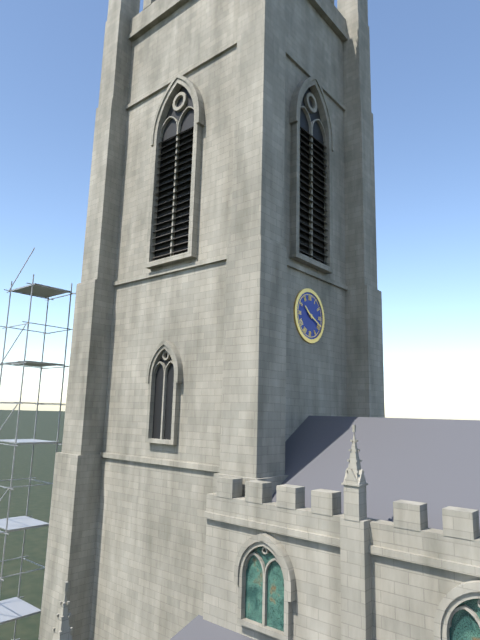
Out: **10:19**
